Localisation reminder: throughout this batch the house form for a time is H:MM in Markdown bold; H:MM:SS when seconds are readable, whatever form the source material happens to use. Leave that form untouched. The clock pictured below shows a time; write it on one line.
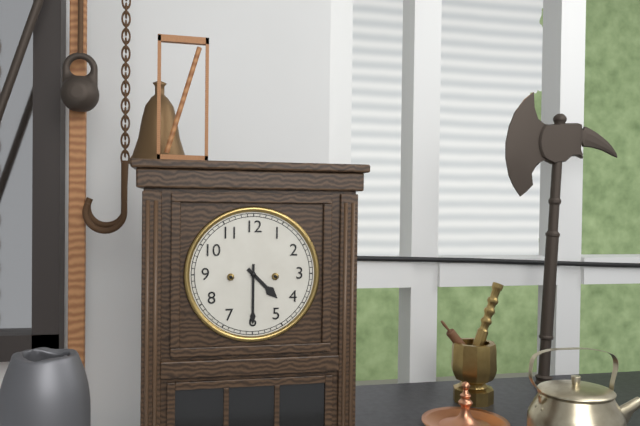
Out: **4:30**
